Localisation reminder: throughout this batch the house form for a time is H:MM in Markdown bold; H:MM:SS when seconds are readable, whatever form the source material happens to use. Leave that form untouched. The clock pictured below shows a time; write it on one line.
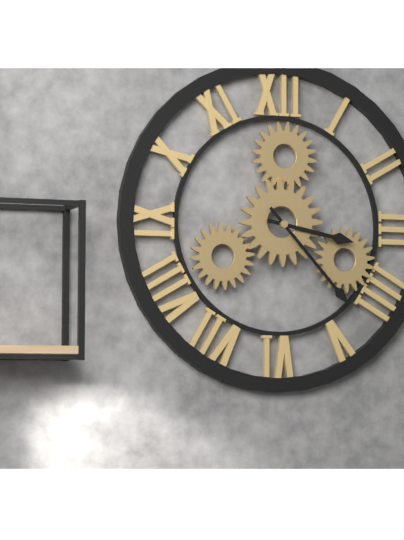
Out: **3:23**
